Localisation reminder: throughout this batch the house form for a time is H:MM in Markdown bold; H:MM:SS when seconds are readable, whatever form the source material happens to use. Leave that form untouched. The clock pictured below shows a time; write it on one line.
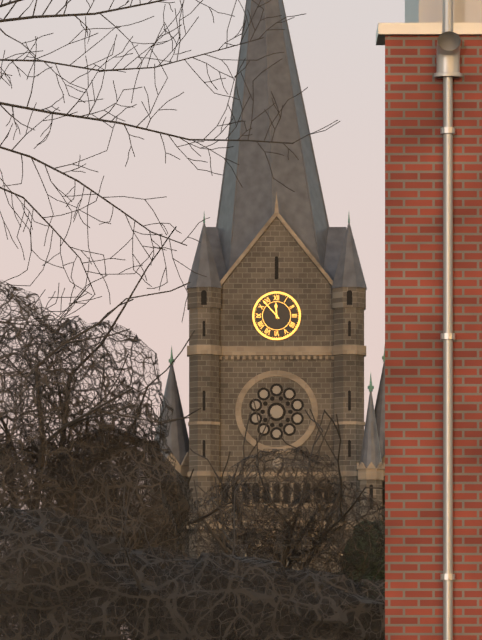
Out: **11:53**
